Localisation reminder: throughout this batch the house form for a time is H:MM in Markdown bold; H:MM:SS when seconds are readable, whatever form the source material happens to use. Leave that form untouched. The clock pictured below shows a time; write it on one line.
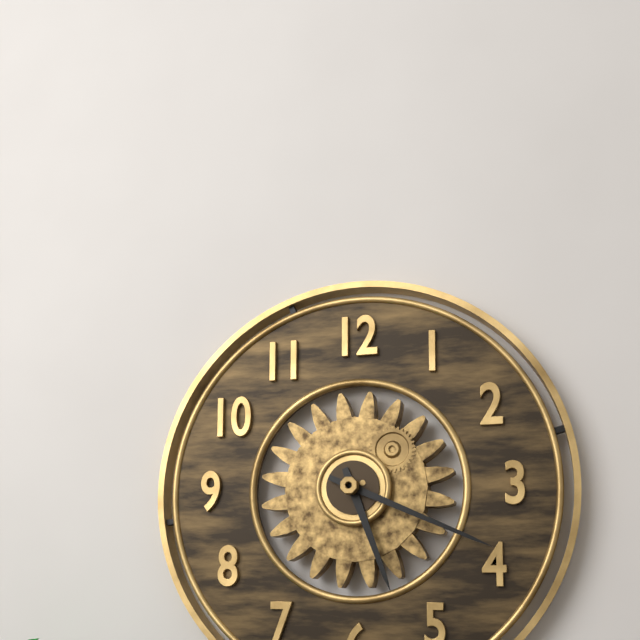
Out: **5:19**
